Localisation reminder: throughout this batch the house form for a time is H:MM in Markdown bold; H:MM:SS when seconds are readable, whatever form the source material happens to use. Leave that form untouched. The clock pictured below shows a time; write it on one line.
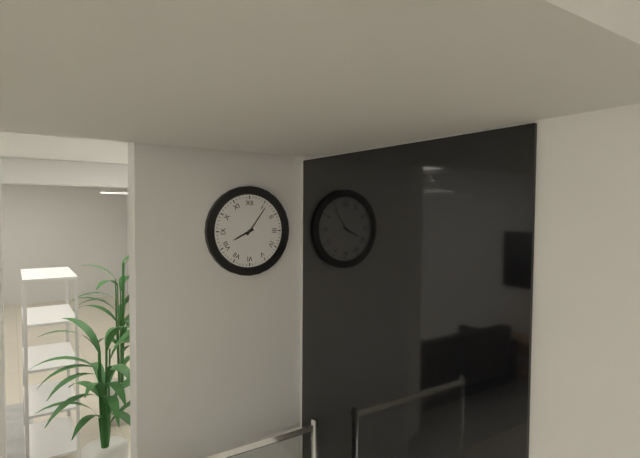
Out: **8:06**
